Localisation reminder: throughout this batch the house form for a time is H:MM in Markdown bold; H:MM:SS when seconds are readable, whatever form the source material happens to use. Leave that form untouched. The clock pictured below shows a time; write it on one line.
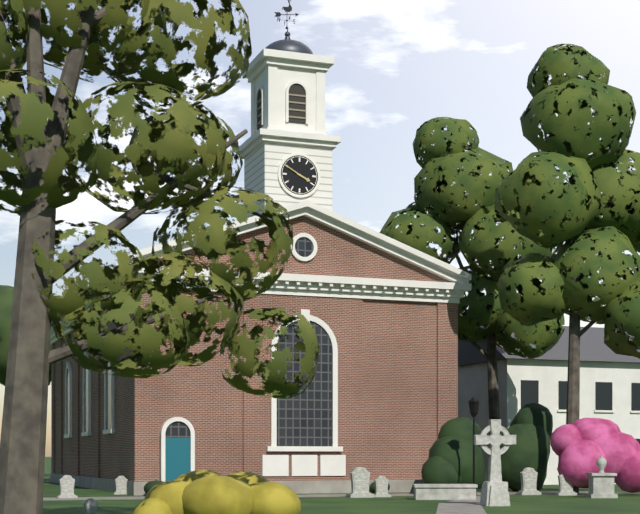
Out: **3:50**
